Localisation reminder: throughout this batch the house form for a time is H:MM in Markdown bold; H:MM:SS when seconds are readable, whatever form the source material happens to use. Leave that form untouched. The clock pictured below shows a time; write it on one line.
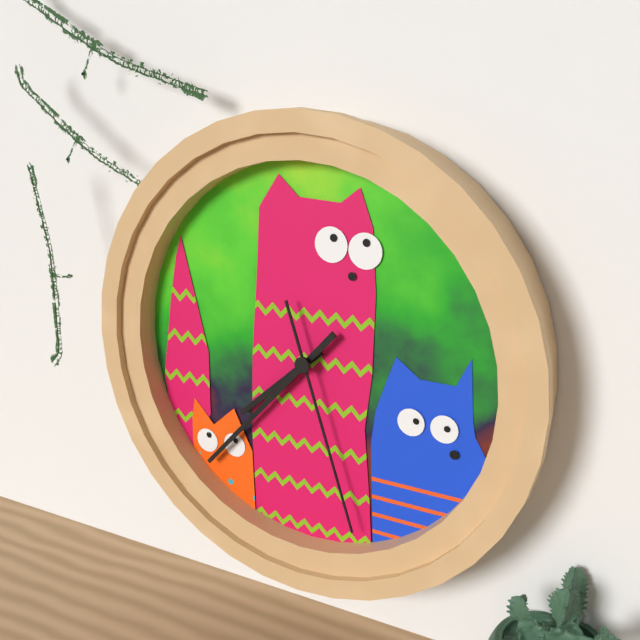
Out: **7:37:27**
